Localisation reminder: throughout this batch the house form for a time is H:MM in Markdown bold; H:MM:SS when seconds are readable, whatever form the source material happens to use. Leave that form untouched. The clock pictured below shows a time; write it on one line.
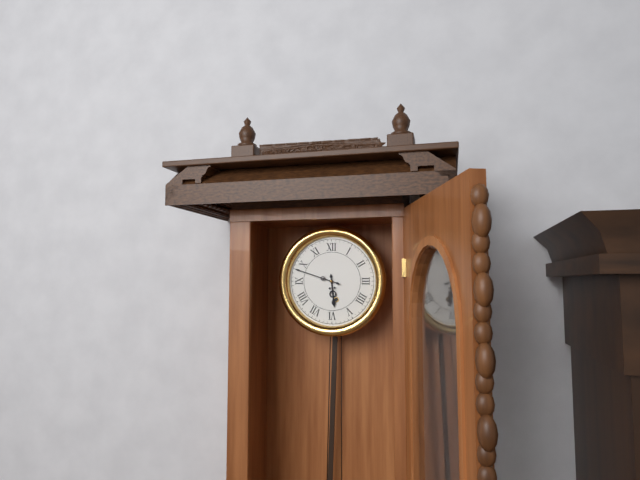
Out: **5:48**
